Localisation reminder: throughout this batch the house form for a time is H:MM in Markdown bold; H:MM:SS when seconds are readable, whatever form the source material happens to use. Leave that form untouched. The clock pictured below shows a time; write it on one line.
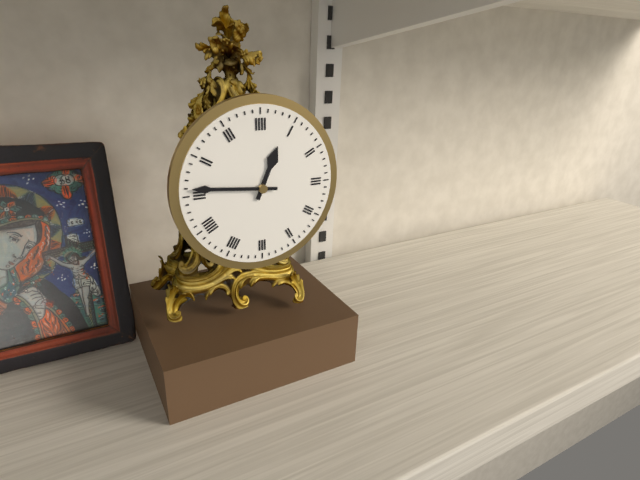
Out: **12:46**
